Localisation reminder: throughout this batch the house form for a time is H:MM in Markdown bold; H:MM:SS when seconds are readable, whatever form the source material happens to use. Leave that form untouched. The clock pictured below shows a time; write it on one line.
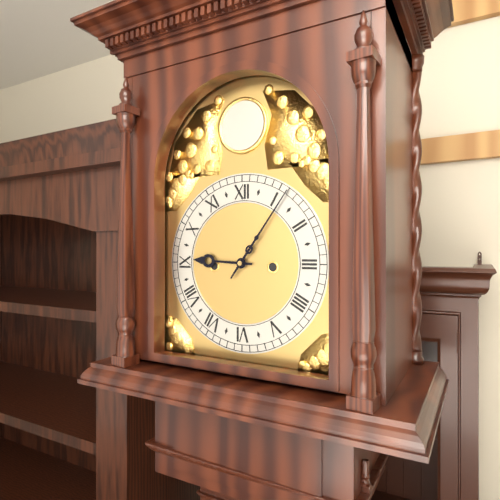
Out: **9:06**
